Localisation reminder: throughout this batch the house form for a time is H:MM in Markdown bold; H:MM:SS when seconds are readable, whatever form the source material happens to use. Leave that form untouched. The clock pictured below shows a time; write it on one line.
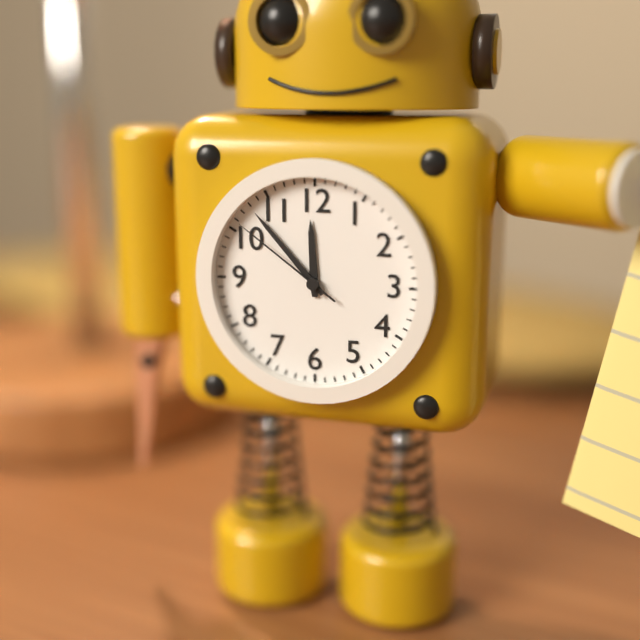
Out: **11:53:51**
